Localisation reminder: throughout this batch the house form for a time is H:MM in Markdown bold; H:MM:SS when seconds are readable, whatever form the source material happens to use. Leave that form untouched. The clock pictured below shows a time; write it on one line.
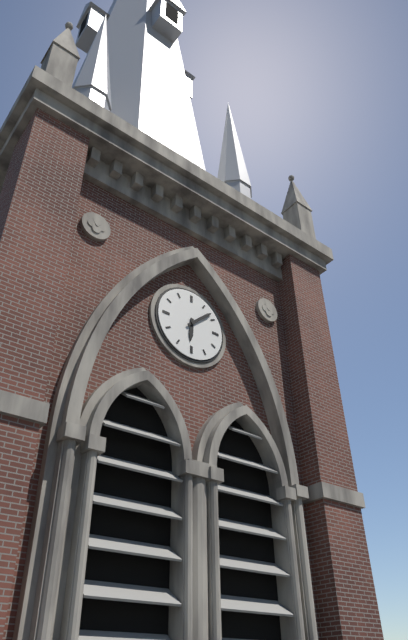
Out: **6:08**
